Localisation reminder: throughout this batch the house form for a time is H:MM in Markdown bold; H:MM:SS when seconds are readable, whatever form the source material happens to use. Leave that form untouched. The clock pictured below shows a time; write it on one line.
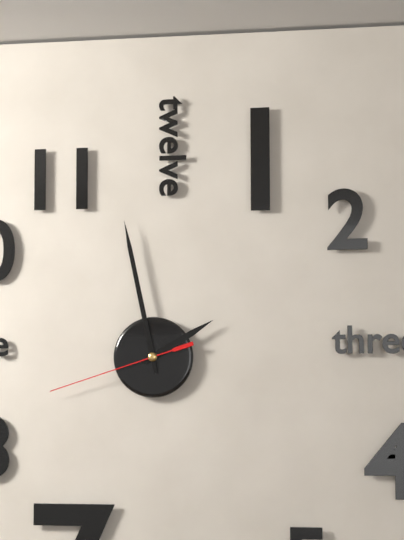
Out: **1:58:42**
